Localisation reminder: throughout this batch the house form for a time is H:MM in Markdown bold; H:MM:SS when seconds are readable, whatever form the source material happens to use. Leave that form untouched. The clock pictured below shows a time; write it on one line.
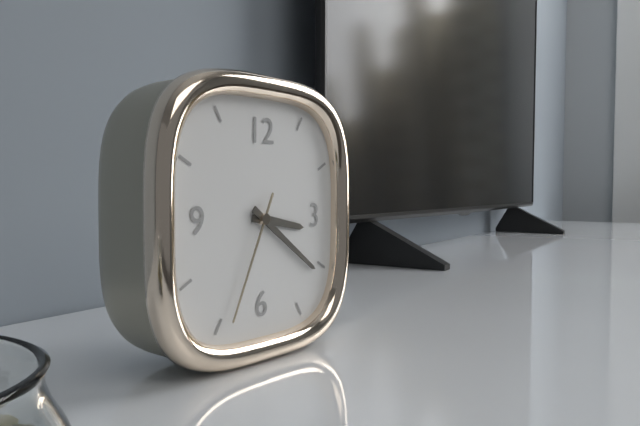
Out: **3:21:34**
